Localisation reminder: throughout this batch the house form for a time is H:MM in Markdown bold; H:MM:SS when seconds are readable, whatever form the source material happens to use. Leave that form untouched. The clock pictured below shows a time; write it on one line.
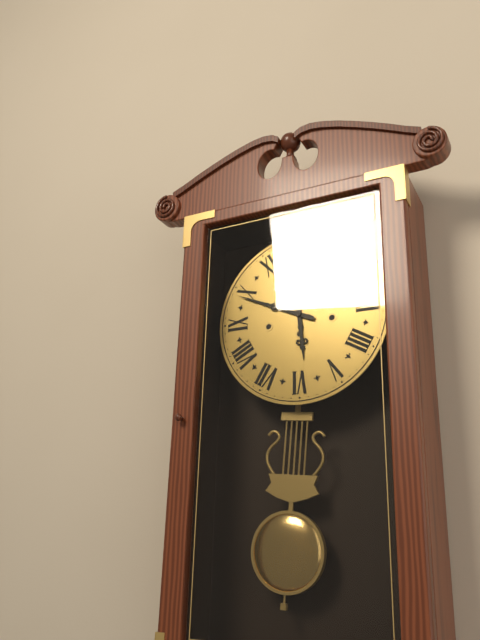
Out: **5:49**
